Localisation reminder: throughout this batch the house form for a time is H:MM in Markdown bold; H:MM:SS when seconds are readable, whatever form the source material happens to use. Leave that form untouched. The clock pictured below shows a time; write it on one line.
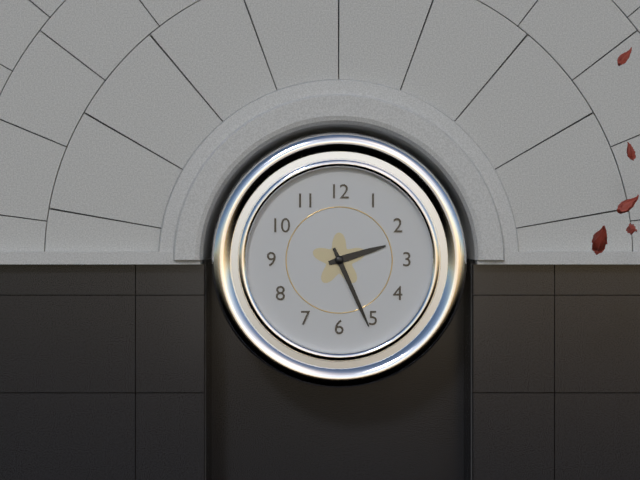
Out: **2:26**
